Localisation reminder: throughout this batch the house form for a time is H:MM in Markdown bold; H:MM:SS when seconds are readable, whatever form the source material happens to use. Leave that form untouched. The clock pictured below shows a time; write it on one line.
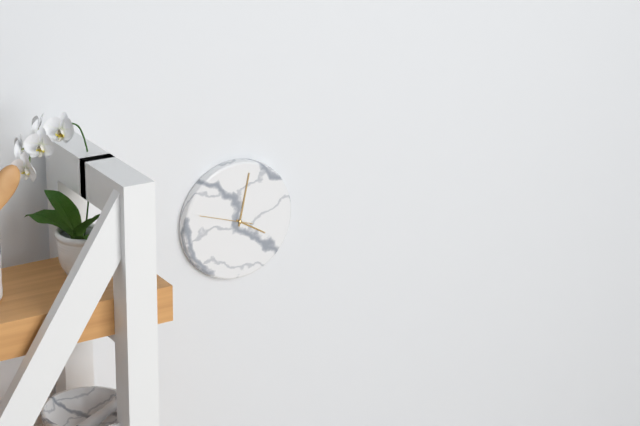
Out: **4:02:48**
